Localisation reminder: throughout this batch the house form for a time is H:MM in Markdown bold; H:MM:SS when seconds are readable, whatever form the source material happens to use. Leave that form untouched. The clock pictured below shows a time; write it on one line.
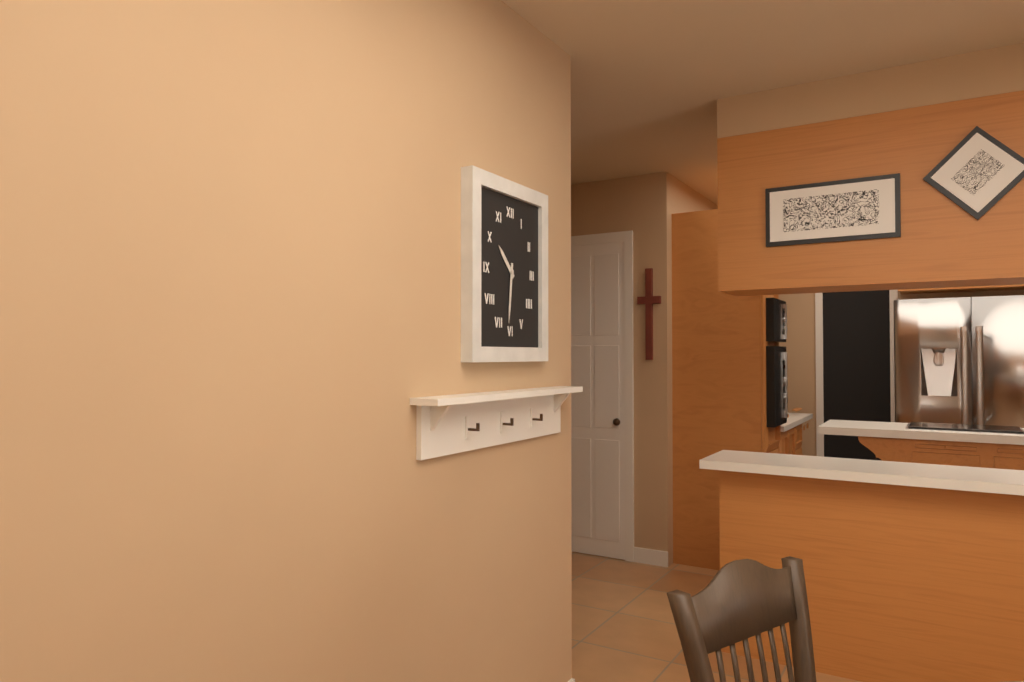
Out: **10:31**
